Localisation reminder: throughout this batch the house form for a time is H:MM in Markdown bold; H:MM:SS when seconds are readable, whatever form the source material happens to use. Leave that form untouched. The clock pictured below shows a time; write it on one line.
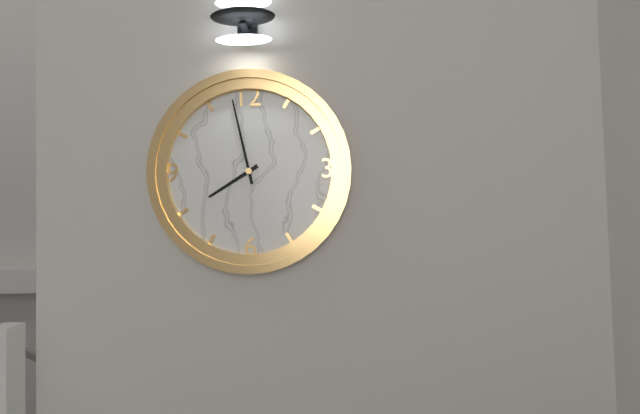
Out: **7:58**
